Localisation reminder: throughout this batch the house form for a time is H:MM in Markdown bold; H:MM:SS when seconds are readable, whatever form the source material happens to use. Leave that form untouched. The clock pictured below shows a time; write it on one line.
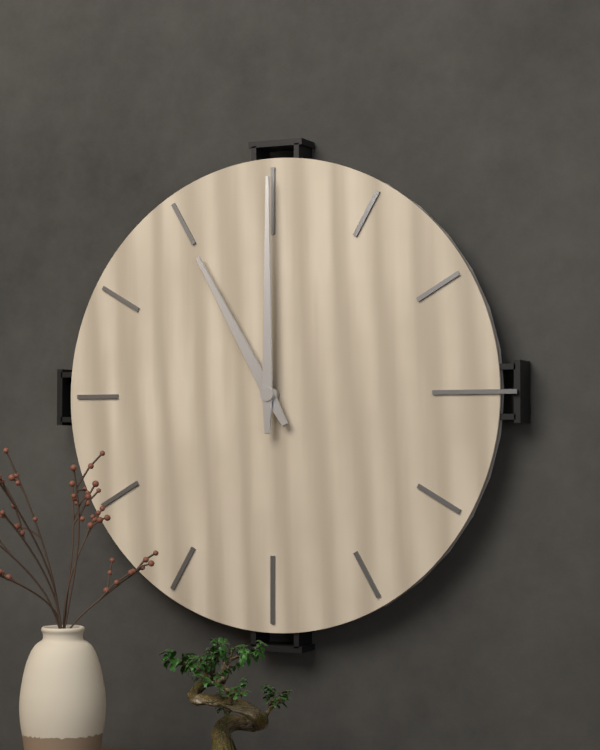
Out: **11:00**
